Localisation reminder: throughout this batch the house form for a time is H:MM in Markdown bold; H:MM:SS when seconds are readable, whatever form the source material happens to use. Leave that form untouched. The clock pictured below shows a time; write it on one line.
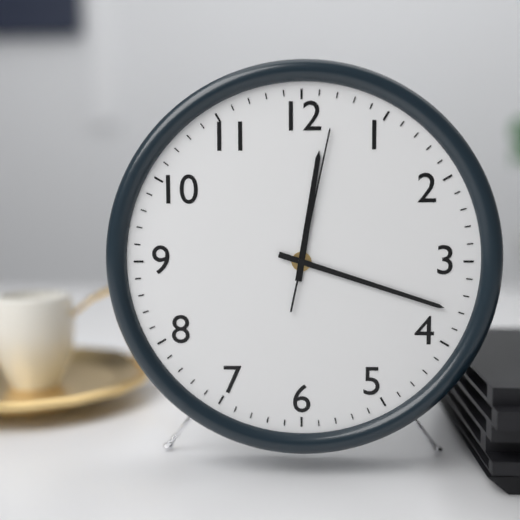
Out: **12:18:02**
